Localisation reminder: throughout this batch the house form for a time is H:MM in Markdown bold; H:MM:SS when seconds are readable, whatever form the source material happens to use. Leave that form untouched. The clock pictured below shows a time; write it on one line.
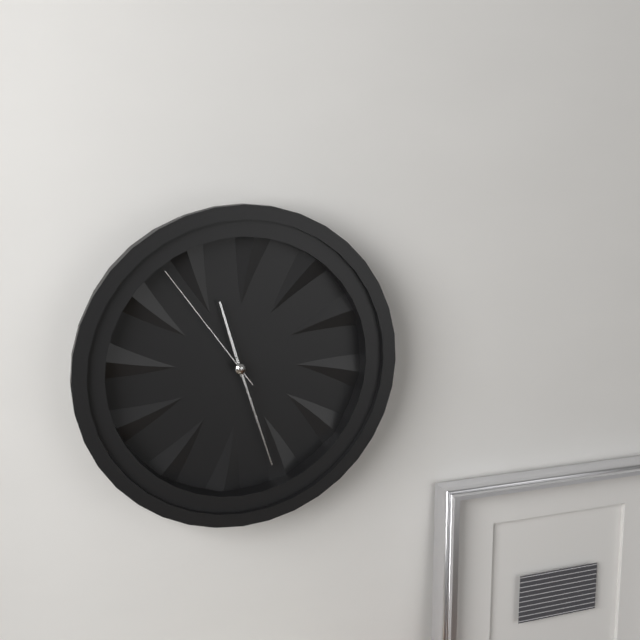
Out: **11:27:54**
